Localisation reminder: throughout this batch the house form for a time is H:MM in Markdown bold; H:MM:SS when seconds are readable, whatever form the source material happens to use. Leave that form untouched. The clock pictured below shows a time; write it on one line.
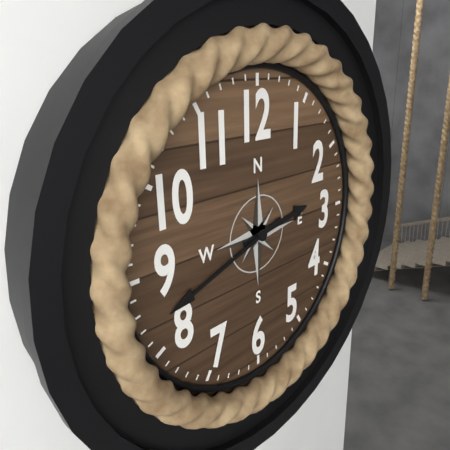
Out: **2:42**
